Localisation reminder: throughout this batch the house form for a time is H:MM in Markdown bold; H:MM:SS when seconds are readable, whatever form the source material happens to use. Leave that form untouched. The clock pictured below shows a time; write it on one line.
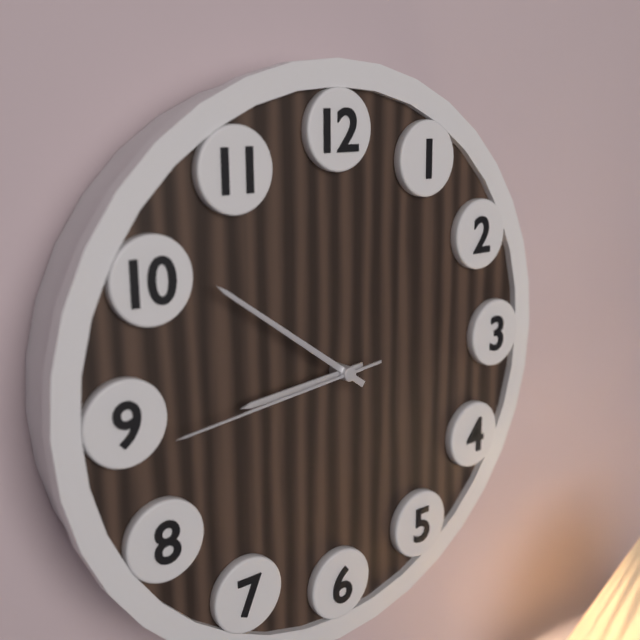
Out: **8:51:44**
